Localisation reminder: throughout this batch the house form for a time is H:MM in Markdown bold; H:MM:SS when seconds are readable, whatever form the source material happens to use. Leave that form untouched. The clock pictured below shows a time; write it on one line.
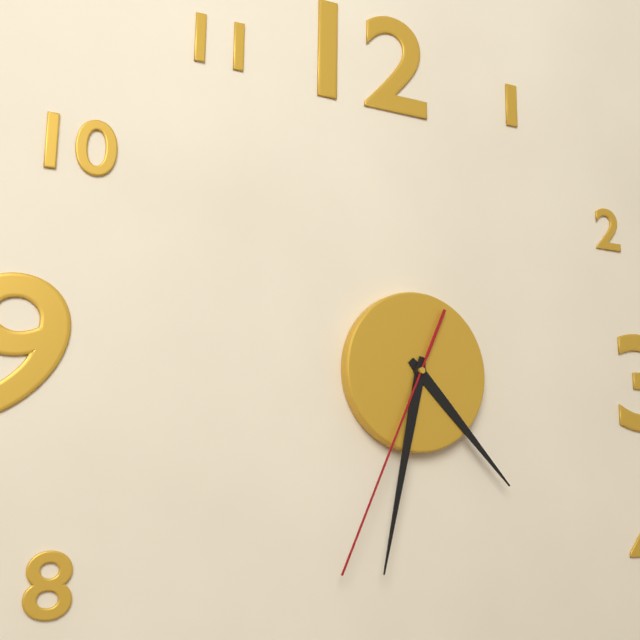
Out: **4:32:34**
